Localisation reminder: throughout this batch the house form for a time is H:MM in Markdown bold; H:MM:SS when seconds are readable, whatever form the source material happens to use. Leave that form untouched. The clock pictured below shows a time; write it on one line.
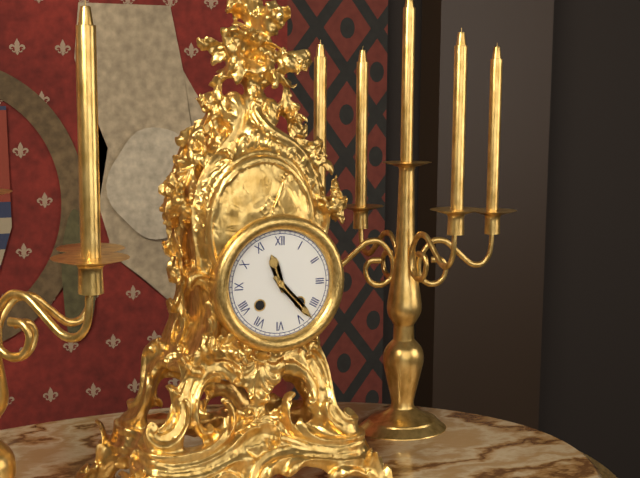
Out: **11:23**
